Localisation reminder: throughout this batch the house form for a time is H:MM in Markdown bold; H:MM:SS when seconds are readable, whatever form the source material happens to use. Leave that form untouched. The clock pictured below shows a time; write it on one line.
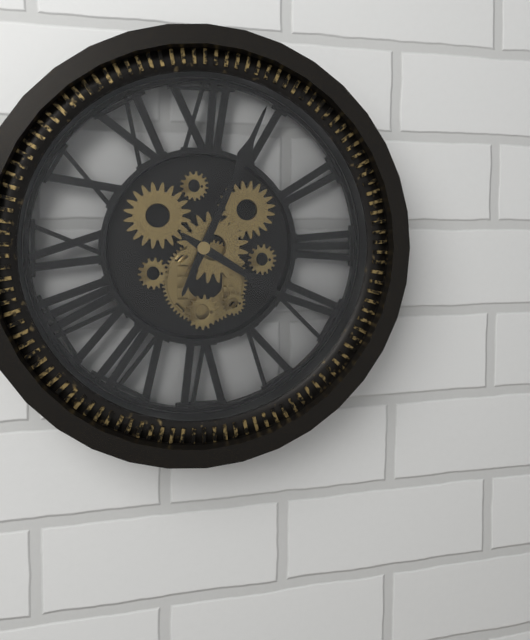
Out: **4:04**
